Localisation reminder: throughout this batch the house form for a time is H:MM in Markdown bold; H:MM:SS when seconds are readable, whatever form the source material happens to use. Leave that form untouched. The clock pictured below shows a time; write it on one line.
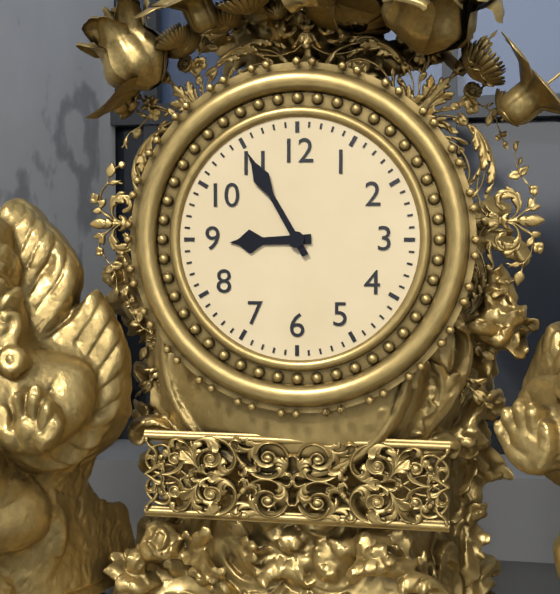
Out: **8:55**
